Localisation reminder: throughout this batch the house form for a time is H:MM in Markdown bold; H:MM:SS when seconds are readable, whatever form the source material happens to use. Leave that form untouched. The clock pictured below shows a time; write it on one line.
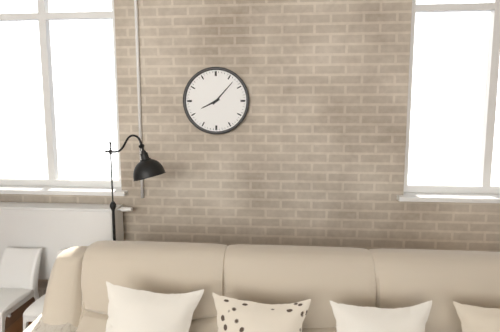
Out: **8:07**
